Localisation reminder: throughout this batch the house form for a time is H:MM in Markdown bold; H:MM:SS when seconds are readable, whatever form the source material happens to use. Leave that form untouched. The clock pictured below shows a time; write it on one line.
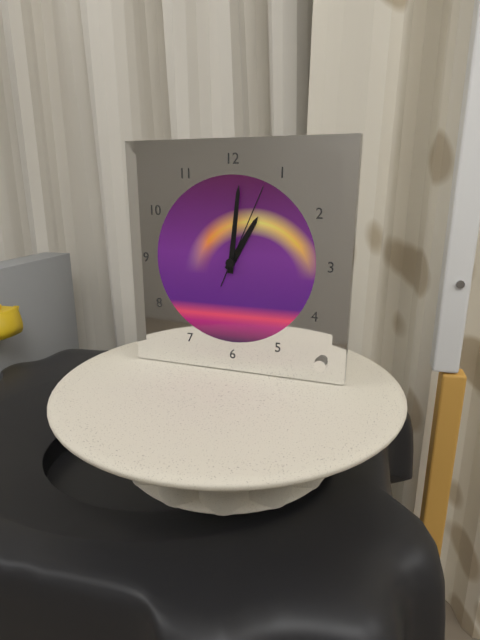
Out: **1:01:04**
